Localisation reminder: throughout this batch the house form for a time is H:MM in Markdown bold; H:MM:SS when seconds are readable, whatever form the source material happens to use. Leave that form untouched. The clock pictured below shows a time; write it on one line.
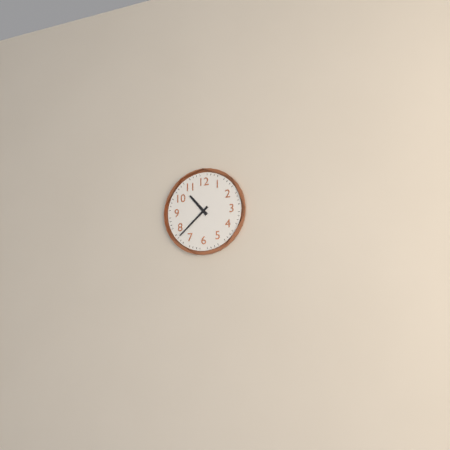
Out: **10:38**
